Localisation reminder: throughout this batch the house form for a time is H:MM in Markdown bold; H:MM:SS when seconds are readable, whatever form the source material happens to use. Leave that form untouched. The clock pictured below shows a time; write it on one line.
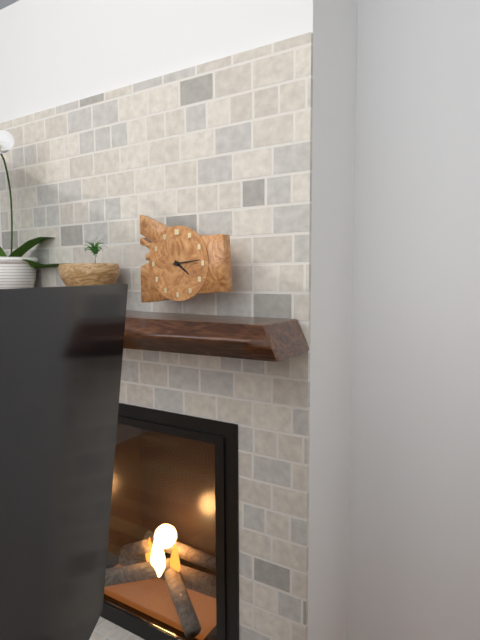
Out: **4:14**
